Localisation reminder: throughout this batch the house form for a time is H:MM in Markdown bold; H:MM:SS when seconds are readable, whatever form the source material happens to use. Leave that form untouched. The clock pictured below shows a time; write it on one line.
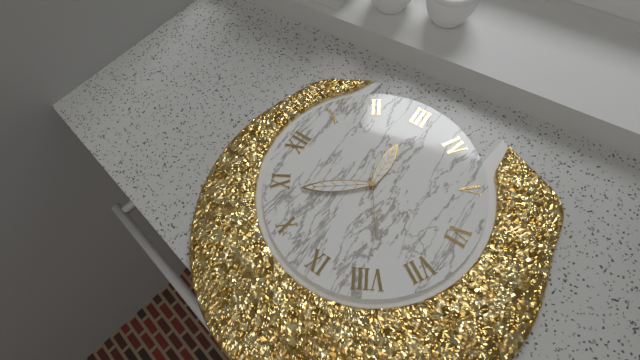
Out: **2:54:39**
